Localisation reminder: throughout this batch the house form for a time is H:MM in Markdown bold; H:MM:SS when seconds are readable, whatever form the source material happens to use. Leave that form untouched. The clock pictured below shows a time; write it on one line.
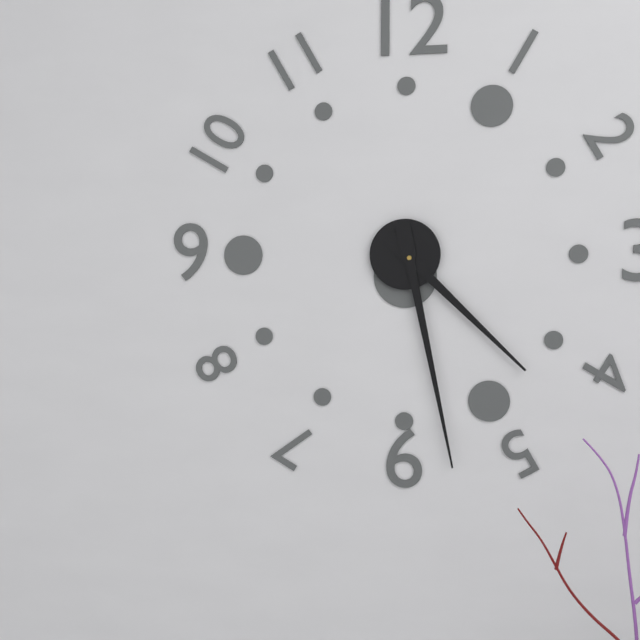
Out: **4:28**
